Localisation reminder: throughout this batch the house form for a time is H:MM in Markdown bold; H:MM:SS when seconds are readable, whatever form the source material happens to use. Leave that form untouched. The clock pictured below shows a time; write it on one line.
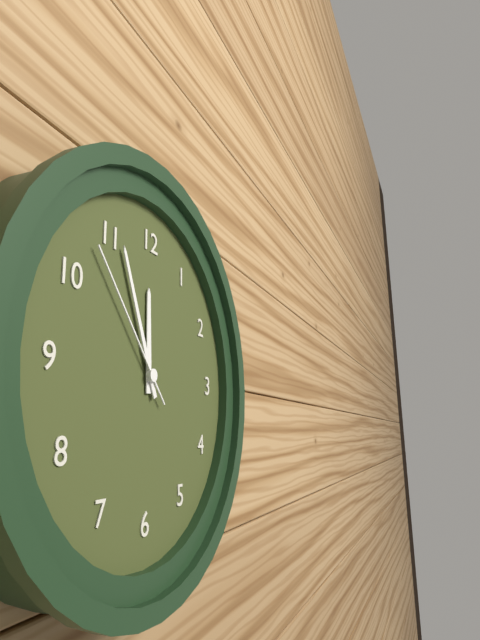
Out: **11:56:53**
